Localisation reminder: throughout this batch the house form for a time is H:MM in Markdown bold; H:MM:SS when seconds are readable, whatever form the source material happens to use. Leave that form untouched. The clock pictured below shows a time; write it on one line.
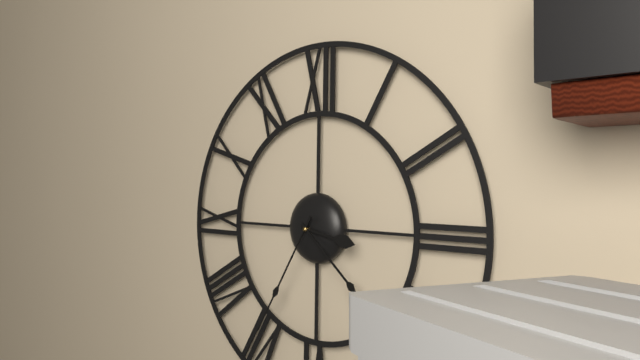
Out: **3:22:35**
